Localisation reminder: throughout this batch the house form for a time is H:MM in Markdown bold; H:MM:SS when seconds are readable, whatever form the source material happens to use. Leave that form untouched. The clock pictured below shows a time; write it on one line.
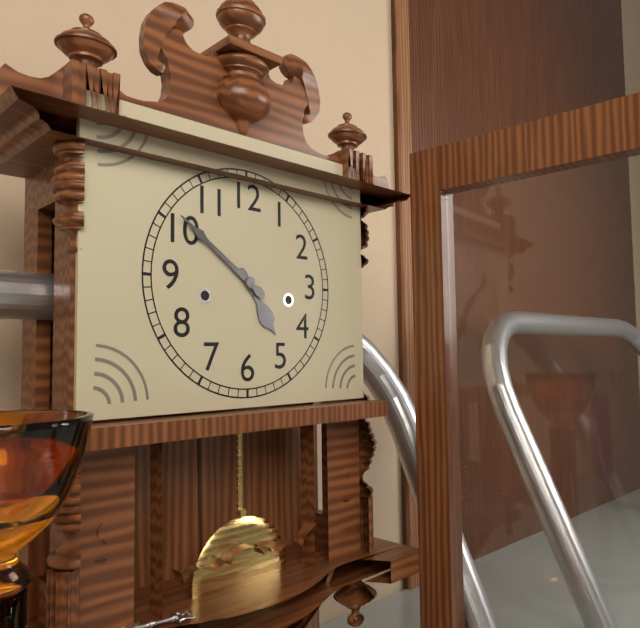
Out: **4:51**
